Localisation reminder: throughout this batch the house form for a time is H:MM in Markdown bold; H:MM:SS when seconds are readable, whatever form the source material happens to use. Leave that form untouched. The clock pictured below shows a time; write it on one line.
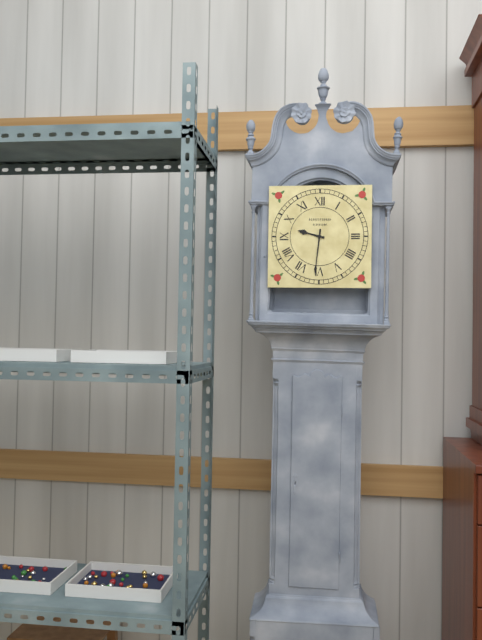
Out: **9:31**
